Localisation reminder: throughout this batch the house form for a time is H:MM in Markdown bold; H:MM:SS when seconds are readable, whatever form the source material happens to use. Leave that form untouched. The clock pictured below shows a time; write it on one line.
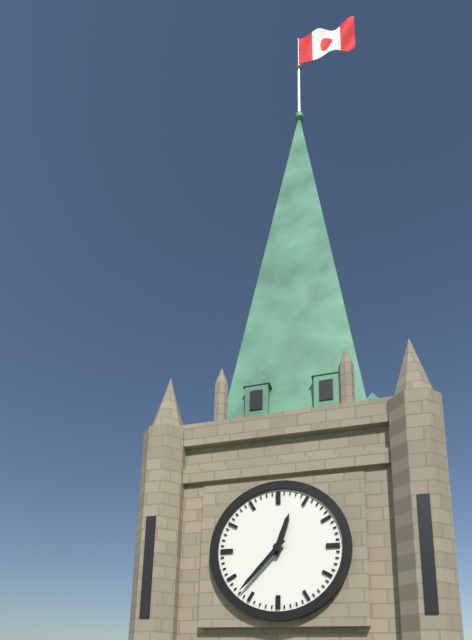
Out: **12:37**
